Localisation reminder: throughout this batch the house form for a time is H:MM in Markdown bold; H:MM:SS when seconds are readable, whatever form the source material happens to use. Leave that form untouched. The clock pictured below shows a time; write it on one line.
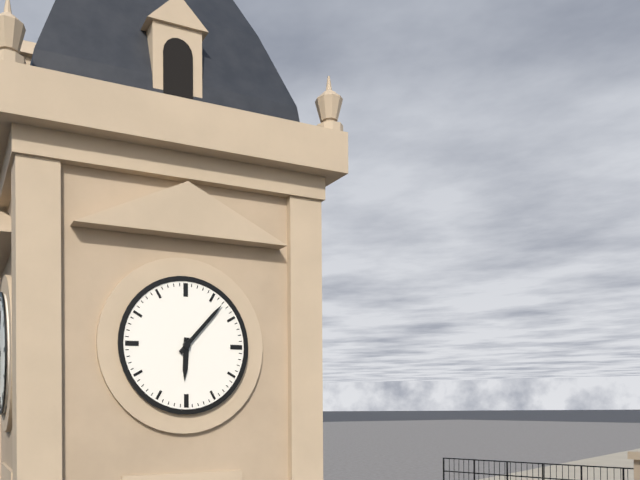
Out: **6:07**
